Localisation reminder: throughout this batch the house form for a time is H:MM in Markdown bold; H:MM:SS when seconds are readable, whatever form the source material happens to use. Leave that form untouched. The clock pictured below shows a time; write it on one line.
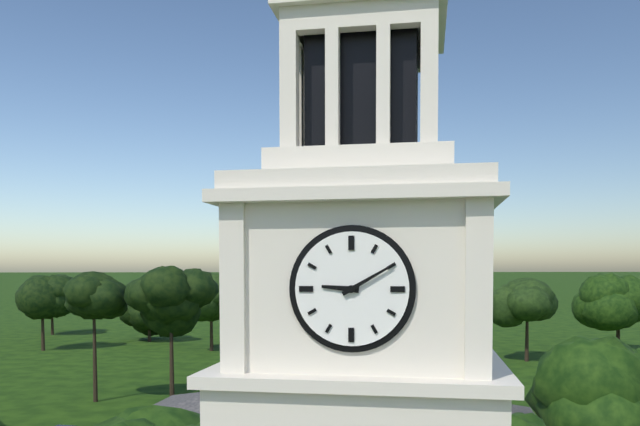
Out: **9:10**
